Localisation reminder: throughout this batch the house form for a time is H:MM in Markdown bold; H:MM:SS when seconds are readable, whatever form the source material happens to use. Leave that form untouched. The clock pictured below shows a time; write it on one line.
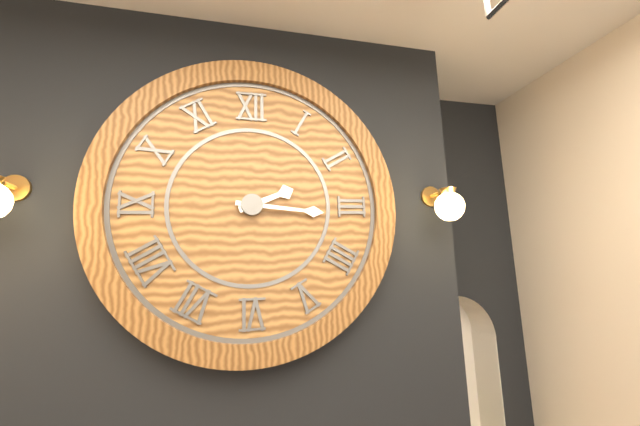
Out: **2:16**
